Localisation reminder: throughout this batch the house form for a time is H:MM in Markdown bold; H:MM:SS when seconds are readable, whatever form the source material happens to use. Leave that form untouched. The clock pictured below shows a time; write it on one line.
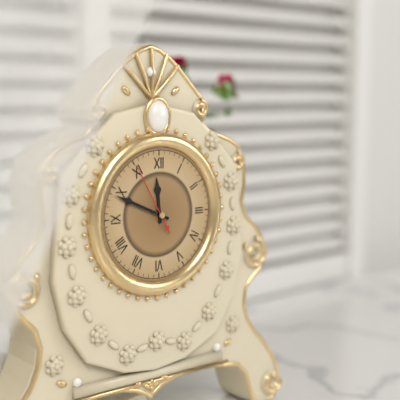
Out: **11:49:55**
